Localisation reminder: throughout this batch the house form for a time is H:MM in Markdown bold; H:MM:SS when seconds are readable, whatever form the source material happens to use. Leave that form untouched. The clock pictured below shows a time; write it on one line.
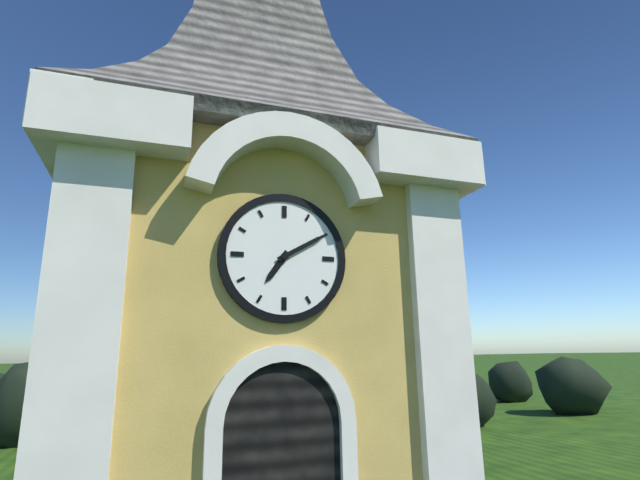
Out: **7:10**
